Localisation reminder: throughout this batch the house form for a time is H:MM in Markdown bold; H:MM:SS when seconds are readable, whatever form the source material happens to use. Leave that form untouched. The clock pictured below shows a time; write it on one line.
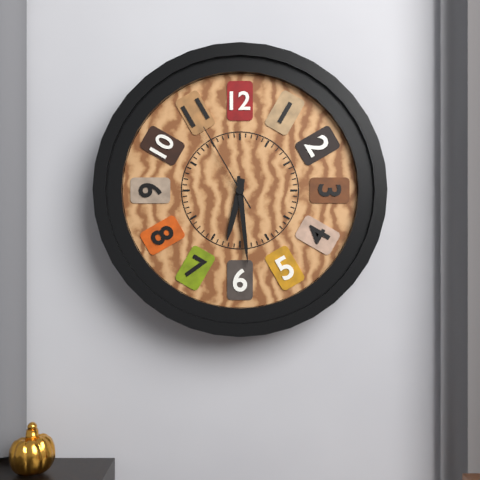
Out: **6:29:55**
